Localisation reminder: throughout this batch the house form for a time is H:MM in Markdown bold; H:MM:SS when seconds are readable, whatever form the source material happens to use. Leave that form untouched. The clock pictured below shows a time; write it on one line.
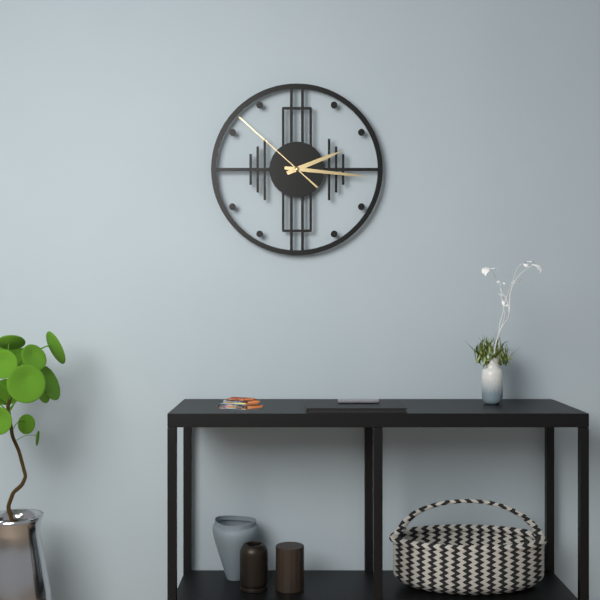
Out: **2:16:52**
